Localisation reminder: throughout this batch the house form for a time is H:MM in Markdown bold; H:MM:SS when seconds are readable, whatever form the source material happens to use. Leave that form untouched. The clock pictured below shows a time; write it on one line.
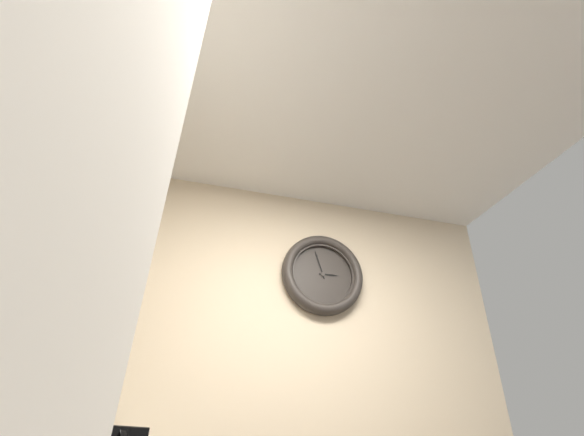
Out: **2:57**
